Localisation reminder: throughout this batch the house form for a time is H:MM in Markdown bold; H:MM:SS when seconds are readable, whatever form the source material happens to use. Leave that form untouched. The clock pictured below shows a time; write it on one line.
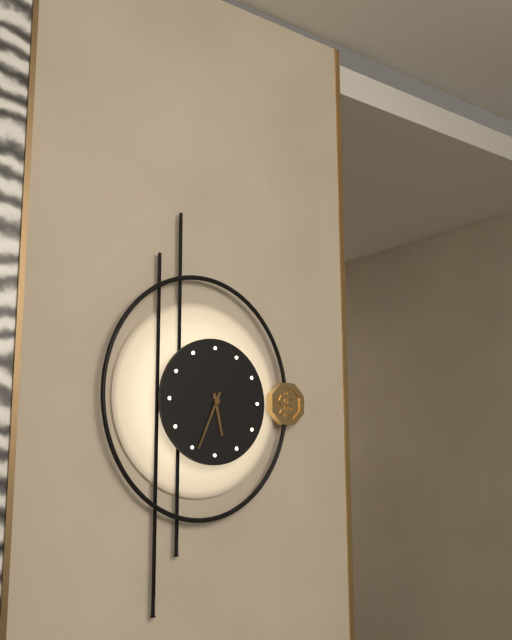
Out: **5:34**
